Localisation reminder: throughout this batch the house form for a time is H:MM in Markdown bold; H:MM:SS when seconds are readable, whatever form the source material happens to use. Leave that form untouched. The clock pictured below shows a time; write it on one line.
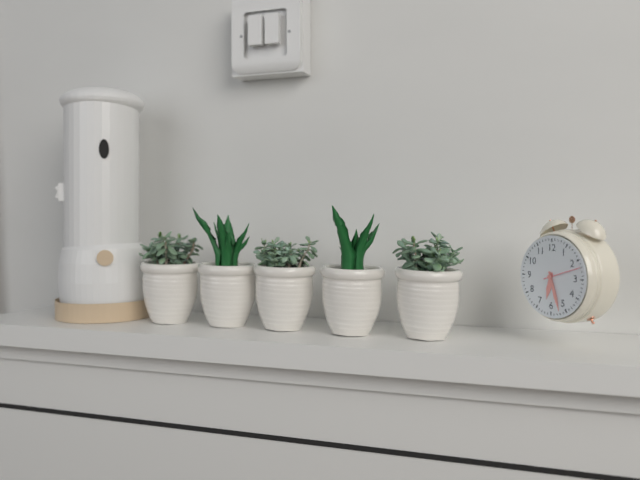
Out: **6:27**
